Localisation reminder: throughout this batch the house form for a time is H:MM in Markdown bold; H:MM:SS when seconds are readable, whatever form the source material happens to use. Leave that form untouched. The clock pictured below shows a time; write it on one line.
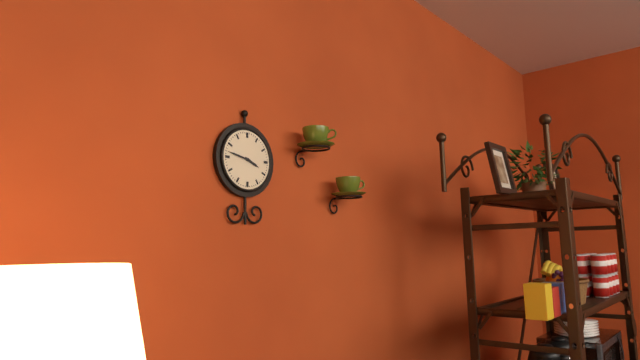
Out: **3:47**
